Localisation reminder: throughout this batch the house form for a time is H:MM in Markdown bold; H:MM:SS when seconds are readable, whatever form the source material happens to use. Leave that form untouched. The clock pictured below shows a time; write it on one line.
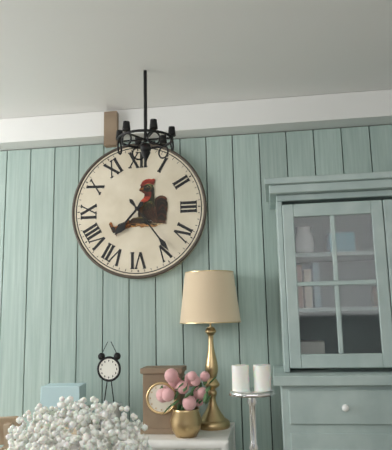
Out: **7:24**
